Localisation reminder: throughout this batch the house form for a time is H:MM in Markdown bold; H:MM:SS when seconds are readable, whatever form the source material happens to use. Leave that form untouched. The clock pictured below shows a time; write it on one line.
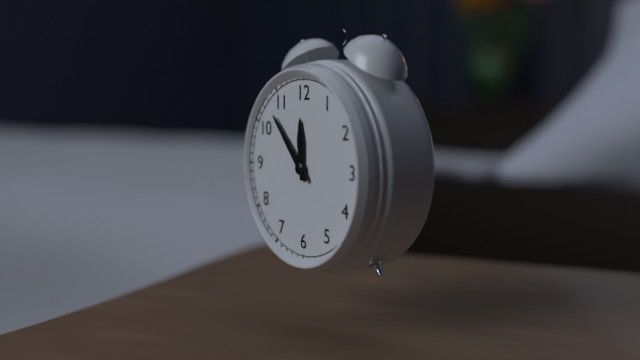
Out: **11:53**
